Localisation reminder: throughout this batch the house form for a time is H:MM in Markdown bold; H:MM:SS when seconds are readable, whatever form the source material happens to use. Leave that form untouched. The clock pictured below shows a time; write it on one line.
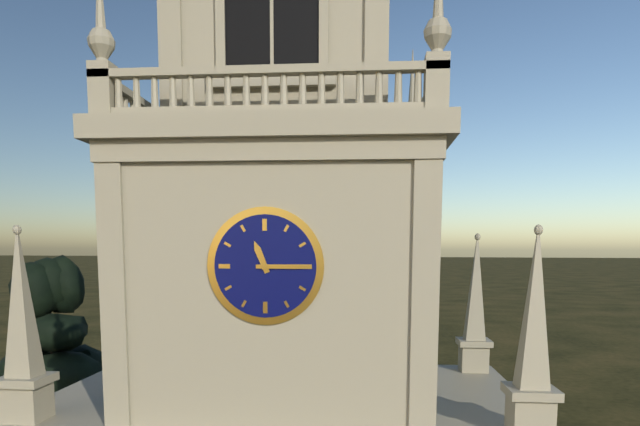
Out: **11:15**
